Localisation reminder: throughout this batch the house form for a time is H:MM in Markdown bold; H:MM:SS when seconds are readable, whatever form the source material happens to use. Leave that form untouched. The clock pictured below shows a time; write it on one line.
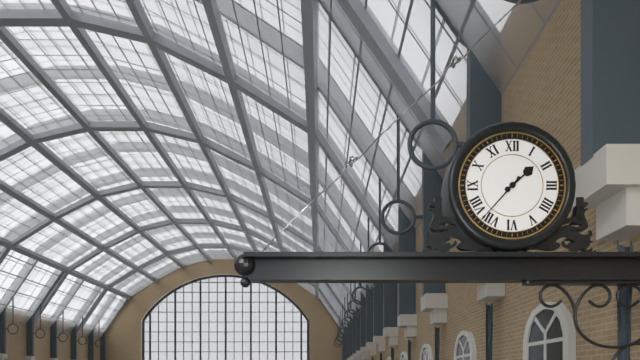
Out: **1:37**
